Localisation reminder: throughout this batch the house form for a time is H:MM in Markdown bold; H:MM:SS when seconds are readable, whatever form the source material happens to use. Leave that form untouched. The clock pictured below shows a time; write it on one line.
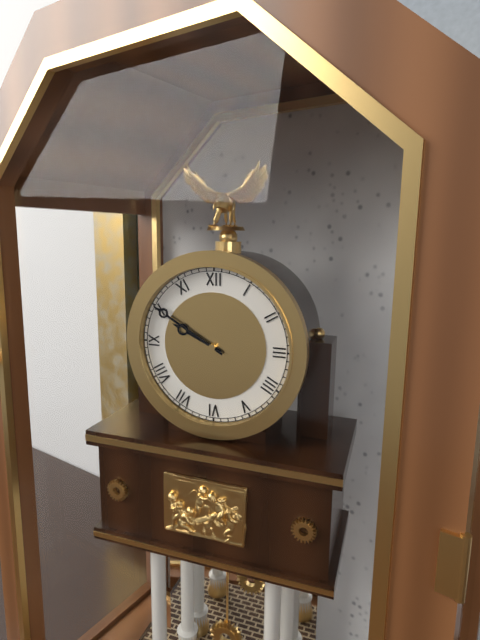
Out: **9:50**
